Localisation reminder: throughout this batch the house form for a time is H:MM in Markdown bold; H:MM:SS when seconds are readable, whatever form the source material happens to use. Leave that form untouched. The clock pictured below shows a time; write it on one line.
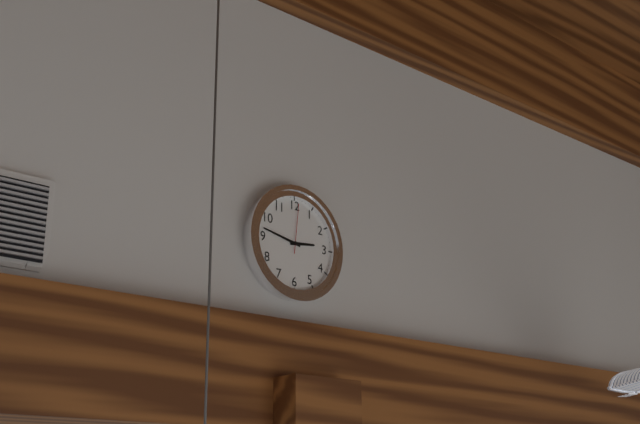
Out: **2:47**
